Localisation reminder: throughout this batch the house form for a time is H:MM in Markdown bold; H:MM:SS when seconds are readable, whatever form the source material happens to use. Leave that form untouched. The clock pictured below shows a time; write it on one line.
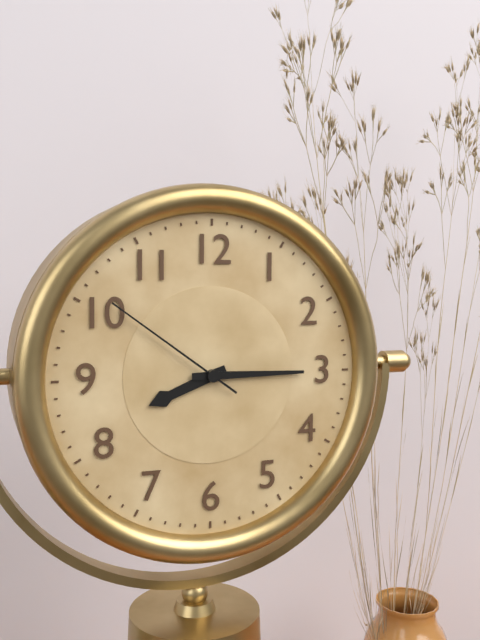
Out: **8:15:51**
